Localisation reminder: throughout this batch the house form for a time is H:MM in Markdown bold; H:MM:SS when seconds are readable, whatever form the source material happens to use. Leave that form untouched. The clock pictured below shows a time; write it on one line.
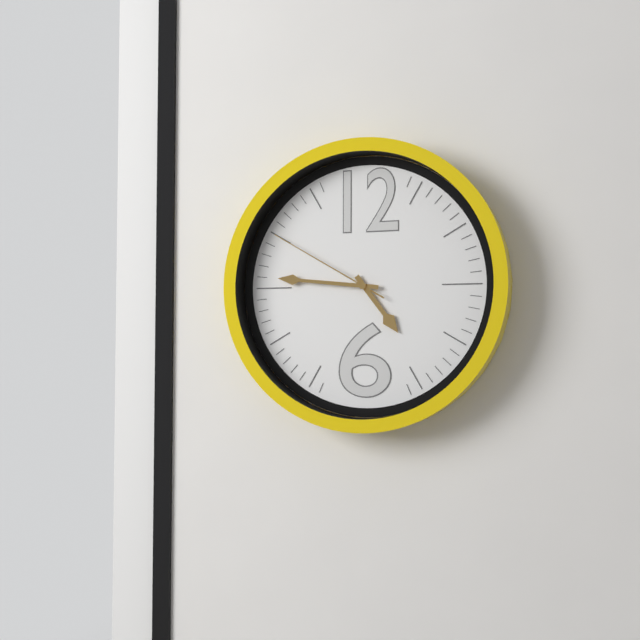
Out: **4:46:50**
